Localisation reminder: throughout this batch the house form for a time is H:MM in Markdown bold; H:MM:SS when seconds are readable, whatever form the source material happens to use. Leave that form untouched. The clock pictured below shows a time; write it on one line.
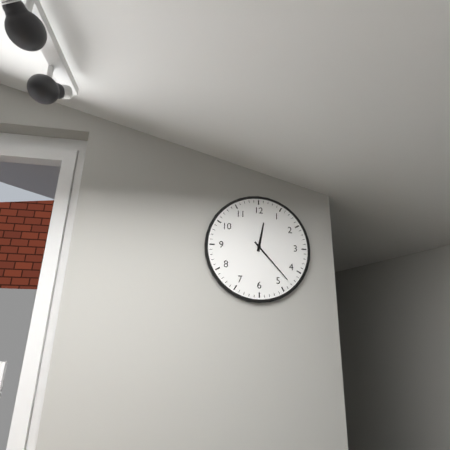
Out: **12:23**
